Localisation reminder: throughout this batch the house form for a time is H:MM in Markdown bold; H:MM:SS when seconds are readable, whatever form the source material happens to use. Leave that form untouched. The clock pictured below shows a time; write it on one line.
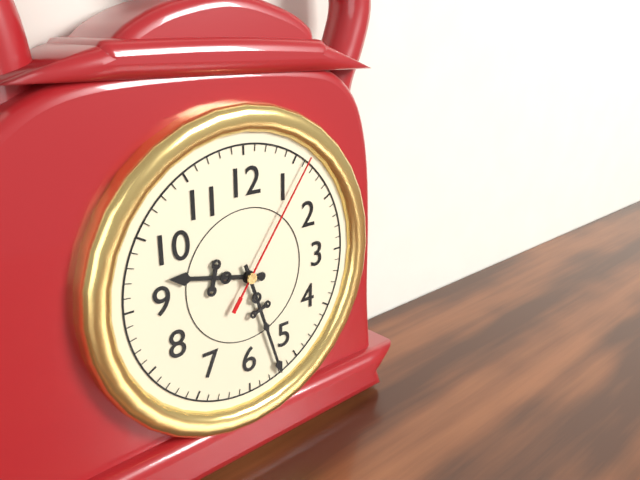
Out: **9:27:06**
